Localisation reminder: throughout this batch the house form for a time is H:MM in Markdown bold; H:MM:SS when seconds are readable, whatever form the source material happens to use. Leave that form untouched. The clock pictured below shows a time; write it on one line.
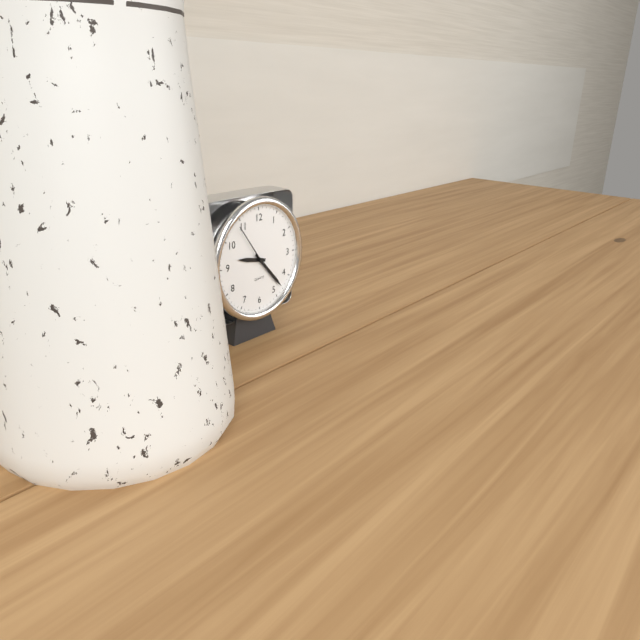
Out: **9:23**
